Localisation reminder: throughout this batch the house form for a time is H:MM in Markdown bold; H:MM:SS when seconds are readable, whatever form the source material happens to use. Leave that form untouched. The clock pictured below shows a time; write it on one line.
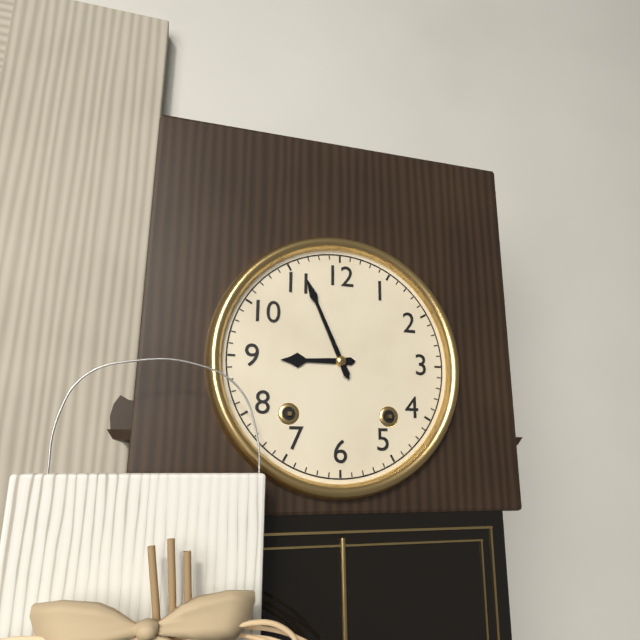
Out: **8:56**
